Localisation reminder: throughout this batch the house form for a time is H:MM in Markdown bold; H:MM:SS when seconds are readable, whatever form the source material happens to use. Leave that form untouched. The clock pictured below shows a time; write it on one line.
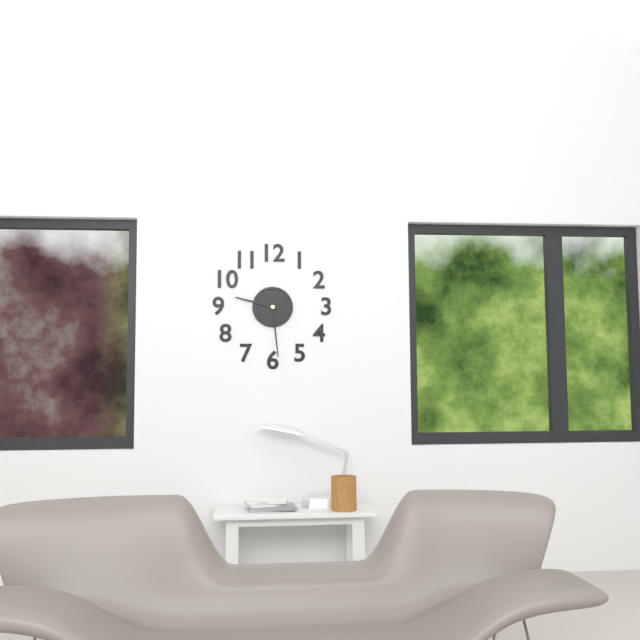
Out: **9:29**
